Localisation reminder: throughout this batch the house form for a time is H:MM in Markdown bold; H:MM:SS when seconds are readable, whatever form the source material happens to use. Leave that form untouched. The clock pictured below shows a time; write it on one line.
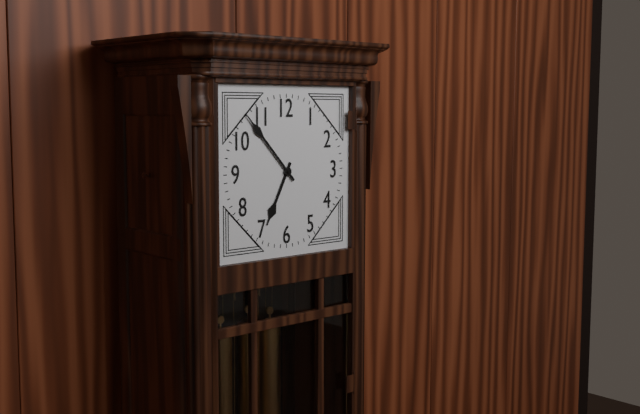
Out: **6:53**
